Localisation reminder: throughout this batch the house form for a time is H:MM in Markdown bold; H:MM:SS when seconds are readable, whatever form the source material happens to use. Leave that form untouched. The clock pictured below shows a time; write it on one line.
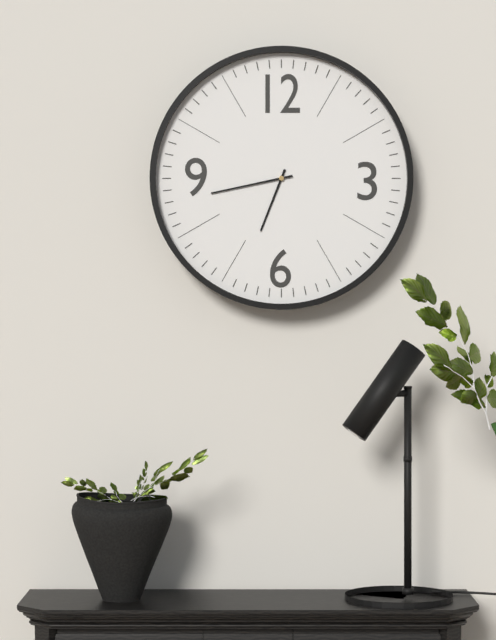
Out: **6:43**
